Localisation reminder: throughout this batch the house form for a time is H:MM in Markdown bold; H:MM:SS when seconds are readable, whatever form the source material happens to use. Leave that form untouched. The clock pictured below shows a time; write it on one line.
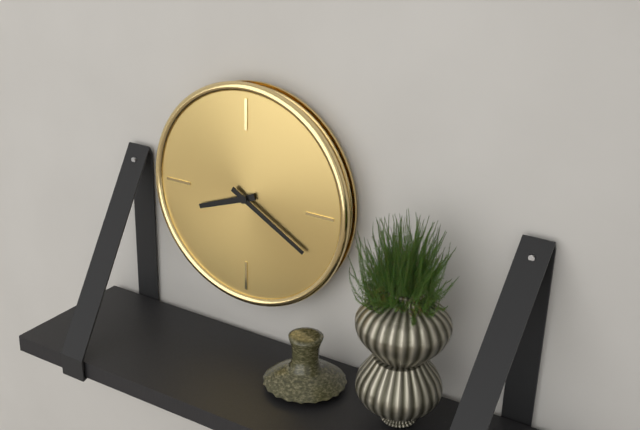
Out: **8:20**
